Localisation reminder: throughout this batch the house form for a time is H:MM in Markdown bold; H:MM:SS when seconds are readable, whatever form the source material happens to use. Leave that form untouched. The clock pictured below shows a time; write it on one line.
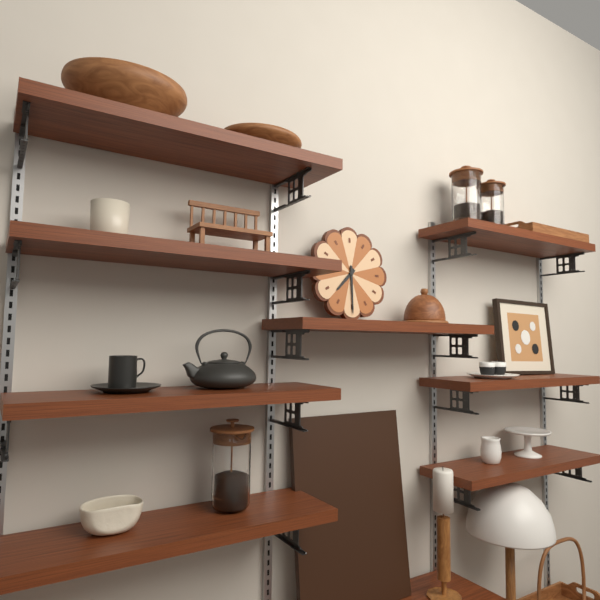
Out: **7:30**
